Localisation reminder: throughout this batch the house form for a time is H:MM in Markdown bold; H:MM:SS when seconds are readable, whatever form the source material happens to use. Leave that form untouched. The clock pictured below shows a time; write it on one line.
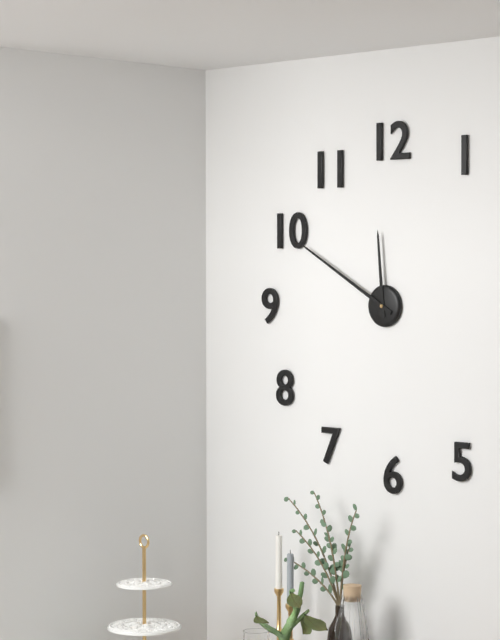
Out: **11:50**
